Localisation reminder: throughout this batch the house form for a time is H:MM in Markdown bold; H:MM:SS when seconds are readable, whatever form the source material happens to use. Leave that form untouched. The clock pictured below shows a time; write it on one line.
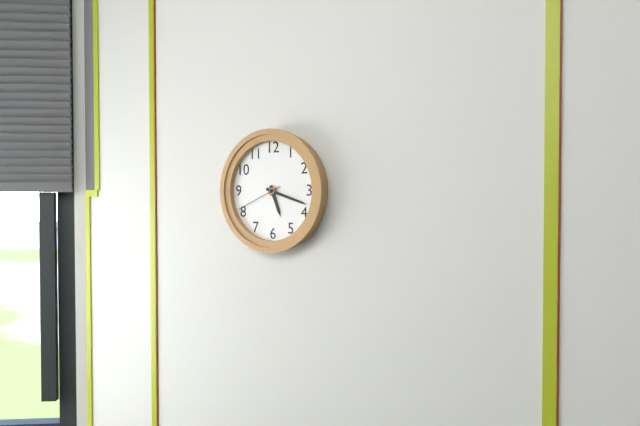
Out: **5:18**
